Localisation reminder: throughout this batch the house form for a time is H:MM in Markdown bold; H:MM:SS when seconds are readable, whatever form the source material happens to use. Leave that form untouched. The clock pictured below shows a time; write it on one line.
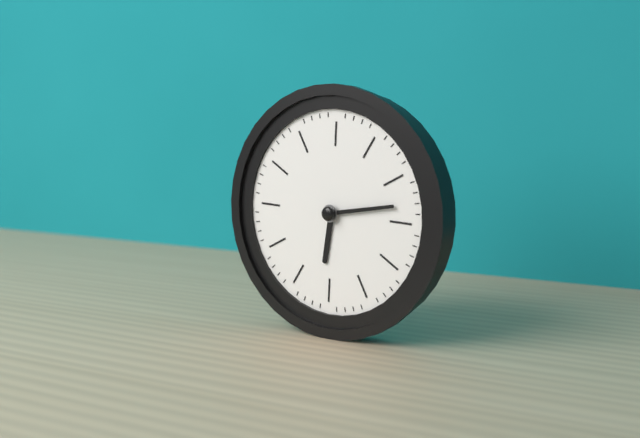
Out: **6:13**
